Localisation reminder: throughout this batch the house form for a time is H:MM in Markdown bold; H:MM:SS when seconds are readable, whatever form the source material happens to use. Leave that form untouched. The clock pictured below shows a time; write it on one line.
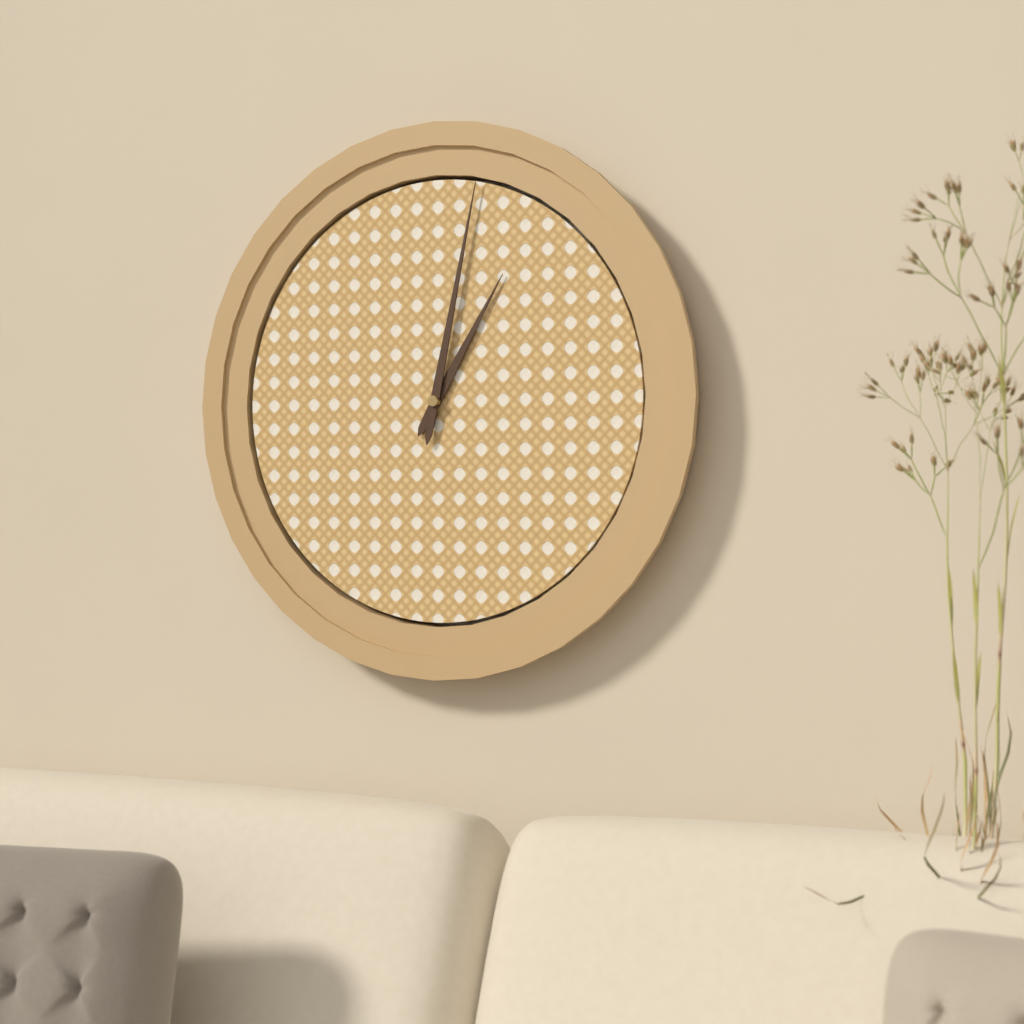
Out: **1:02**
